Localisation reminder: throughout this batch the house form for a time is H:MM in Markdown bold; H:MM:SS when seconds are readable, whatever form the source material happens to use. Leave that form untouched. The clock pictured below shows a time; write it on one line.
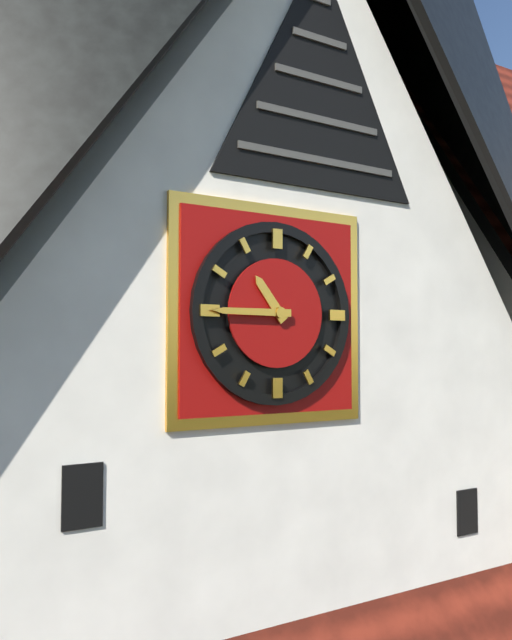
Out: **10:45**
